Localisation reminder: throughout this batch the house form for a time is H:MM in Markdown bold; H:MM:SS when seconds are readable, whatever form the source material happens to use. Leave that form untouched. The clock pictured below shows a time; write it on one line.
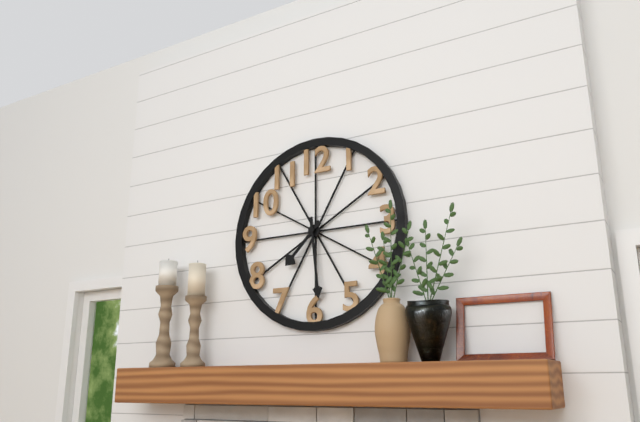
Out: **7:29**
